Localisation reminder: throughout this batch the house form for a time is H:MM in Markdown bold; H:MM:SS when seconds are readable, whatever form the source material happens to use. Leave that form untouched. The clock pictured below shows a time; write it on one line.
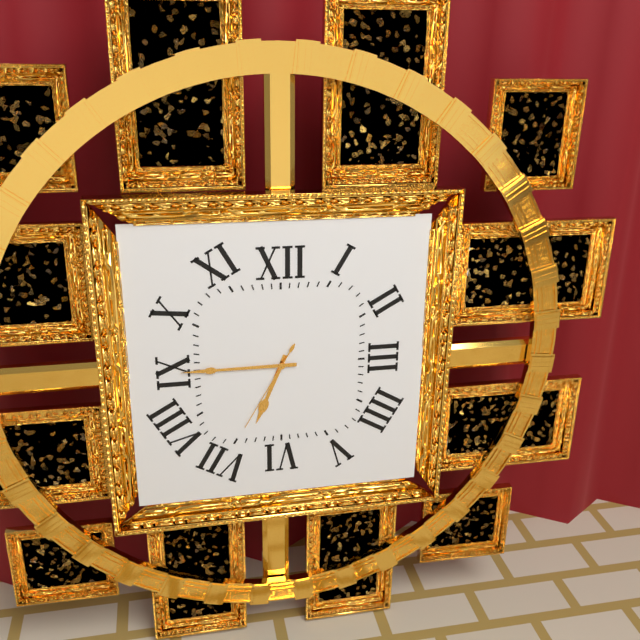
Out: **6:45:35**
